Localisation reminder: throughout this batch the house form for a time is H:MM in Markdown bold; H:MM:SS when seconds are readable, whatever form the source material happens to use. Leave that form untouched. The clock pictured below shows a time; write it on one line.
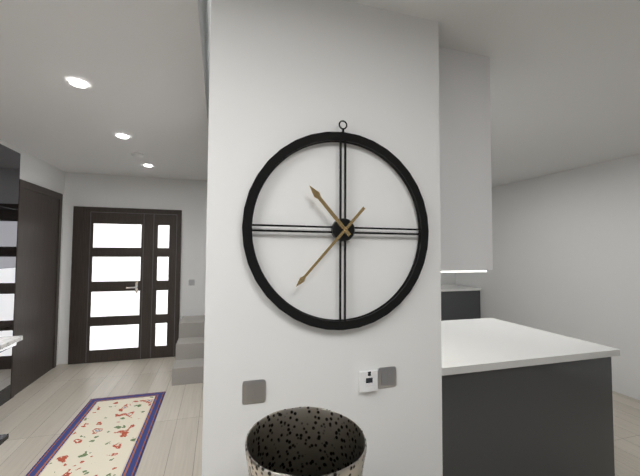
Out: **10:37**
